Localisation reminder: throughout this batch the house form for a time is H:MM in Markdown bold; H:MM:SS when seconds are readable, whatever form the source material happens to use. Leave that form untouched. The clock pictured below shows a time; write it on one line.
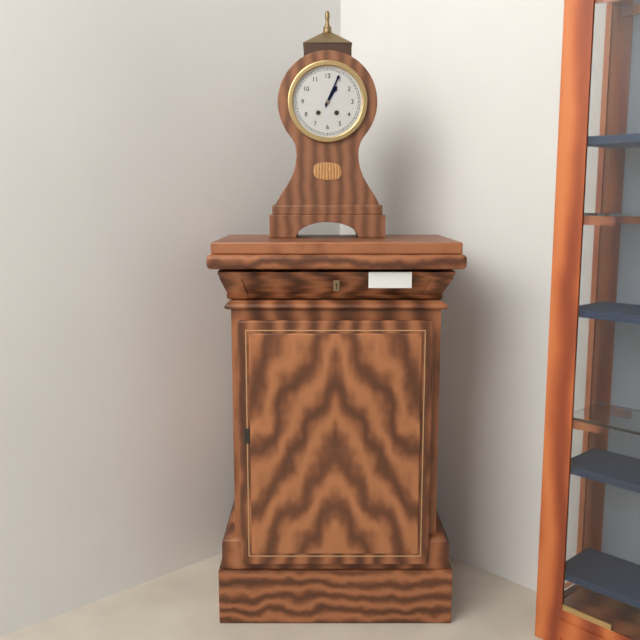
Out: **1:04**
